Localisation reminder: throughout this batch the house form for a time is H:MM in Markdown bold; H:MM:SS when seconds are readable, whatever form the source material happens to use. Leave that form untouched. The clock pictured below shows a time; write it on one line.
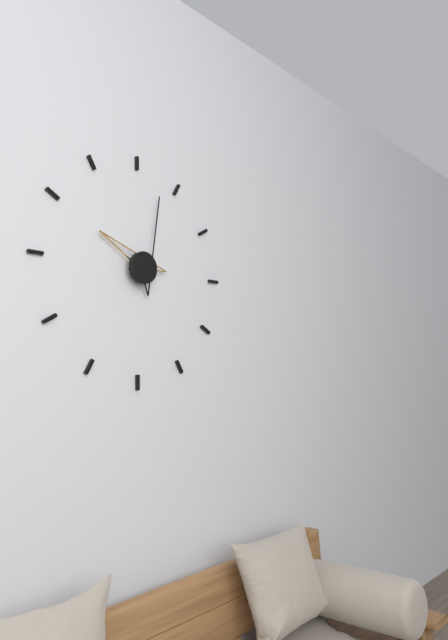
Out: **10:03**
